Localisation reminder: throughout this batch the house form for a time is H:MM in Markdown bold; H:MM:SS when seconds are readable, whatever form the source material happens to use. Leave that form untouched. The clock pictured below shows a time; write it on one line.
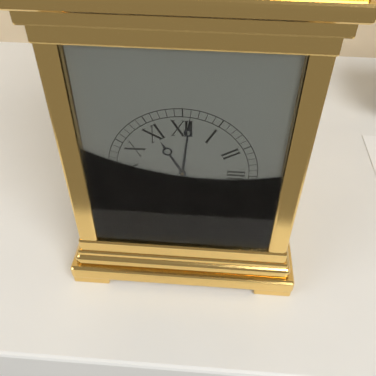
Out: **11:01**
